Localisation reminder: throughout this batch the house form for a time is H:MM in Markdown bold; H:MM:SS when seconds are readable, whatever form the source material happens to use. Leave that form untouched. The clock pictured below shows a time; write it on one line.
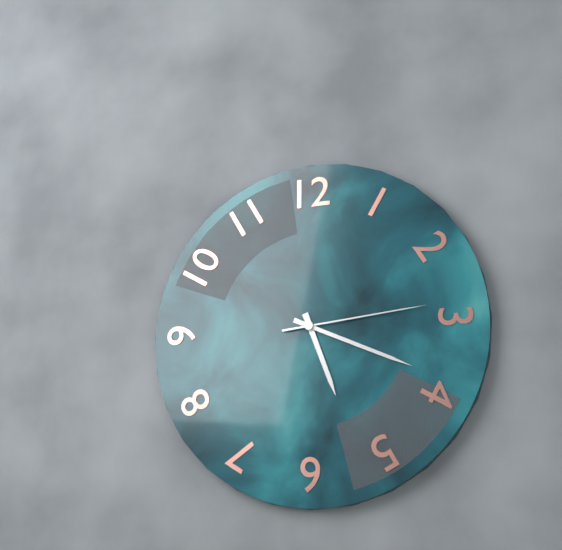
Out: **5:19:14**
